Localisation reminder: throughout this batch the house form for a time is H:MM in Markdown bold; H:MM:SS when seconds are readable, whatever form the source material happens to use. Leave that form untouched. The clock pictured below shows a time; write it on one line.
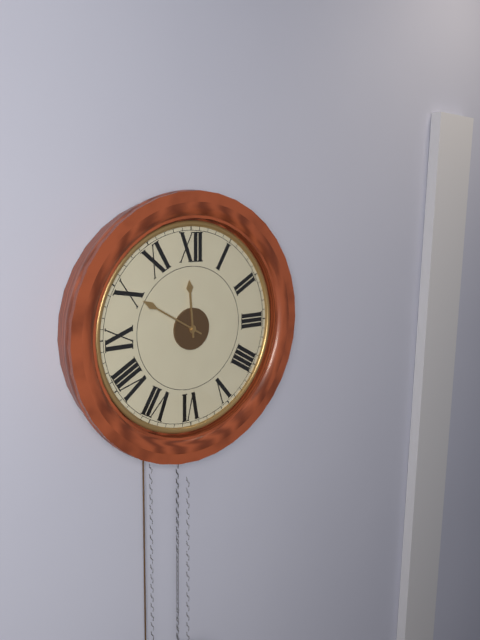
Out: **11:50**
